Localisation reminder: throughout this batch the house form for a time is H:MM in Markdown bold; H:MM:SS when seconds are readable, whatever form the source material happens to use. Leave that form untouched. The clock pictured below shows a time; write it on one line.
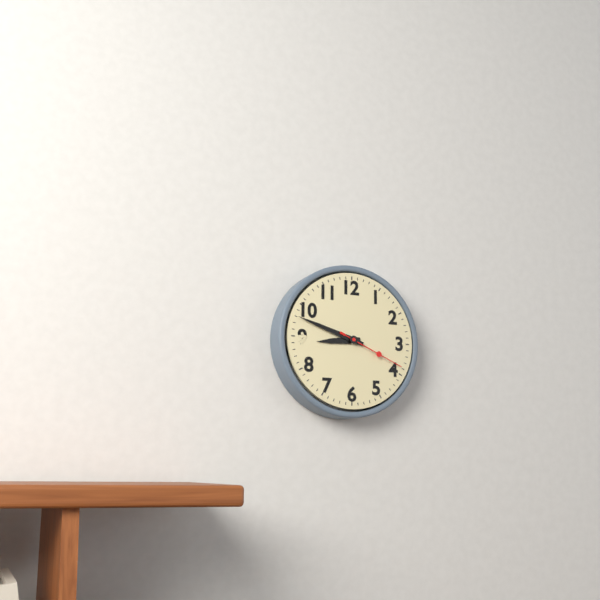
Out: **8:48:19**
